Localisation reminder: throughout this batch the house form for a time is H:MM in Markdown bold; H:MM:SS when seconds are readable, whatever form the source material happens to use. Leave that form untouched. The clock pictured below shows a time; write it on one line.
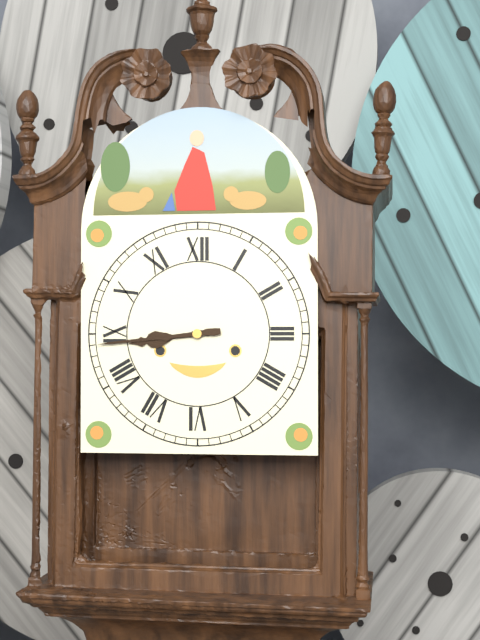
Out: **8:44**
